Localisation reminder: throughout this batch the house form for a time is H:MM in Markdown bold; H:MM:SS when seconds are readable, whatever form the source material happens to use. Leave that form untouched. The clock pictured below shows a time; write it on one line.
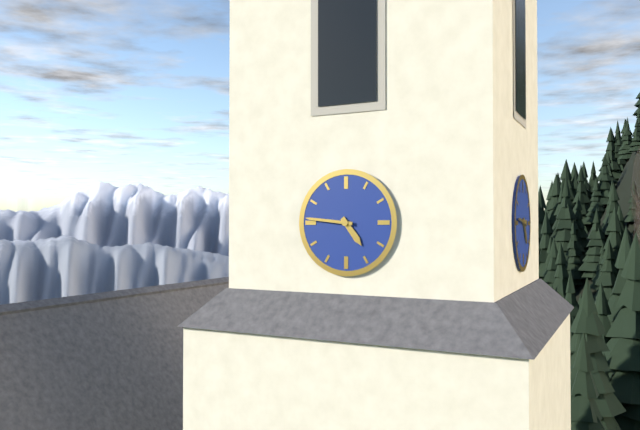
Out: **4:46**
